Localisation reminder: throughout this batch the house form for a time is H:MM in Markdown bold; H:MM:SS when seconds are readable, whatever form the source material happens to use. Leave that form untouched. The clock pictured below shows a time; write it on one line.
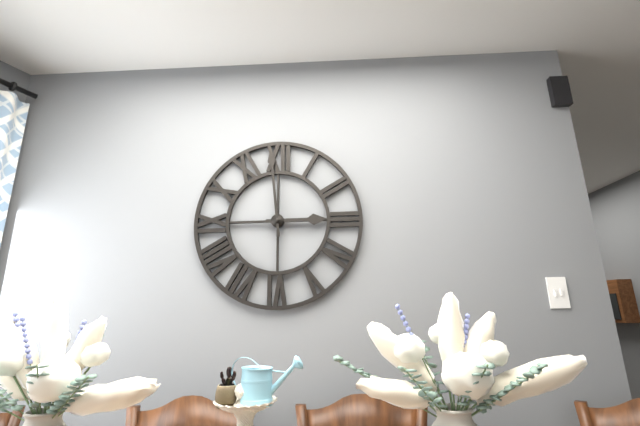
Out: **2:59**
